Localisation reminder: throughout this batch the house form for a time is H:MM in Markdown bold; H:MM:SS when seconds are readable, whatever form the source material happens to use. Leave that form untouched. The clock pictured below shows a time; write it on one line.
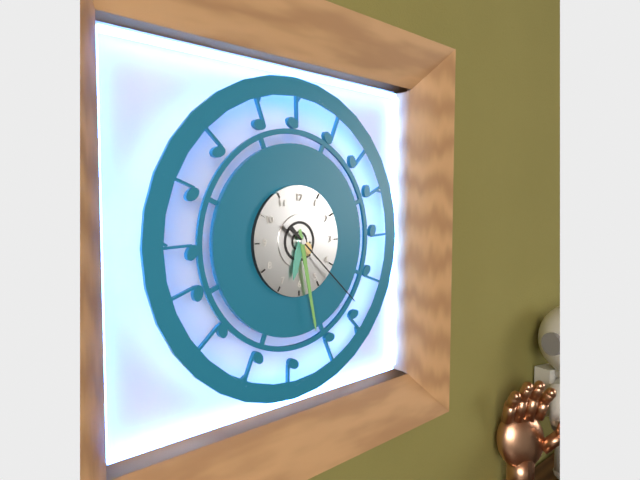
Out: **6:28:22**
